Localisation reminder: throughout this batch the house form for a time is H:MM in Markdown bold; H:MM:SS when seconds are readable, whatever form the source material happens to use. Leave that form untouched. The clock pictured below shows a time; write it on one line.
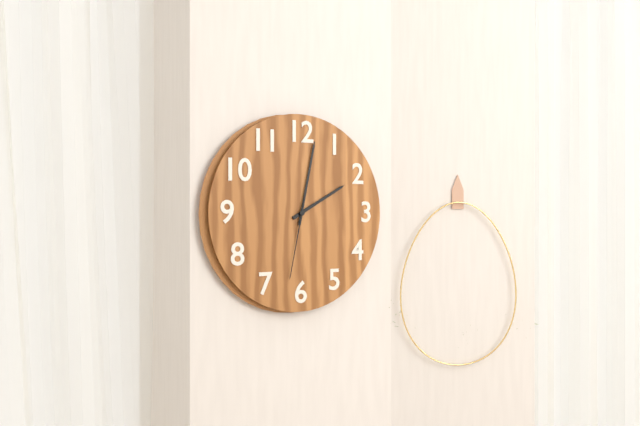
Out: **2:02:32**
